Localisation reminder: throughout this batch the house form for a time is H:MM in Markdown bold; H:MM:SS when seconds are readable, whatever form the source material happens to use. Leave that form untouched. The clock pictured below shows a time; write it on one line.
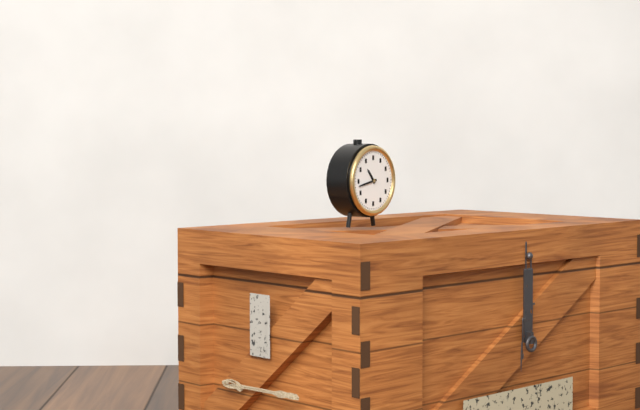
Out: **10:43**
